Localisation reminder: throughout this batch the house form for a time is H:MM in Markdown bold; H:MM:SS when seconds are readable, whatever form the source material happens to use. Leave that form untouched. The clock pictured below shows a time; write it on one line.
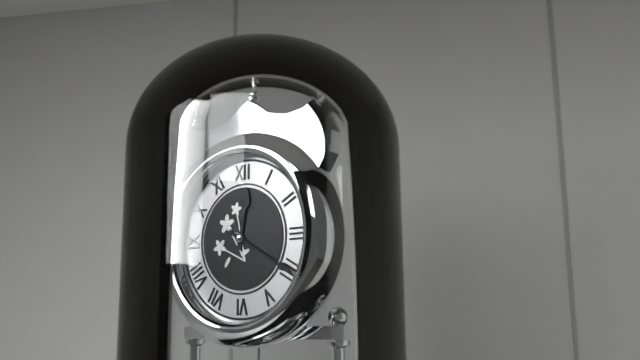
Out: **12:20**
